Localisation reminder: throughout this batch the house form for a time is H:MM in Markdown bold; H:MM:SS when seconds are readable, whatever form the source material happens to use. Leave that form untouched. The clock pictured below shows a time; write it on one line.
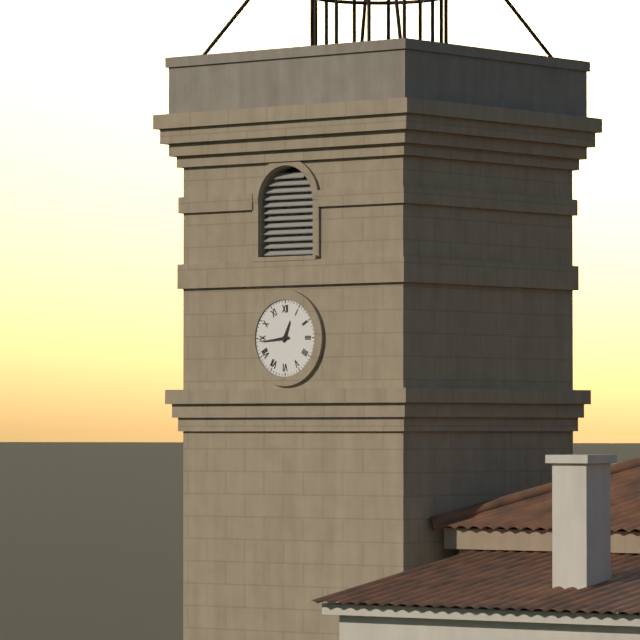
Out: **12:44**
